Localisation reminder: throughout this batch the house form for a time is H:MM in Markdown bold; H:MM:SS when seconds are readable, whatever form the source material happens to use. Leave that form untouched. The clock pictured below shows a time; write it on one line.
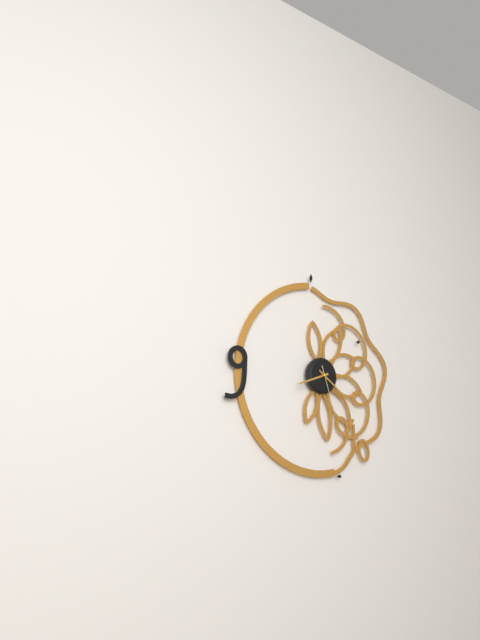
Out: **8:21:27**
